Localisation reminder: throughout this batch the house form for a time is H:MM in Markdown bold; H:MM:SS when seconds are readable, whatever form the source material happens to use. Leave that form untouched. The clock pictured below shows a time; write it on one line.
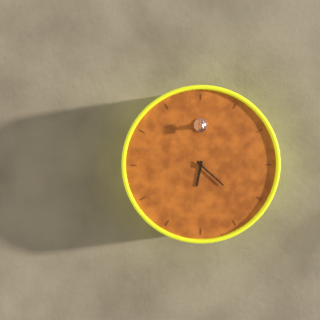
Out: **6:22**
